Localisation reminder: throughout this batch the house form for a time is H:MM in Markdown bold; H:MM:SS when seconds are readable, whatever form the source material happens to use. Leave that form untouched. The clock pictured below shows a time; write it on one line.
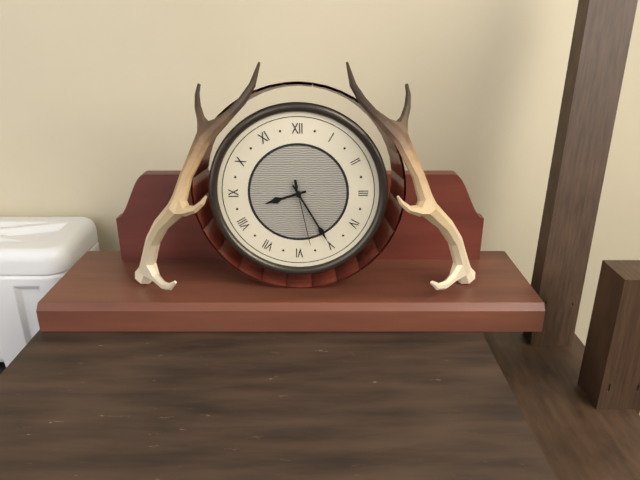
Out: **8:25:28**
